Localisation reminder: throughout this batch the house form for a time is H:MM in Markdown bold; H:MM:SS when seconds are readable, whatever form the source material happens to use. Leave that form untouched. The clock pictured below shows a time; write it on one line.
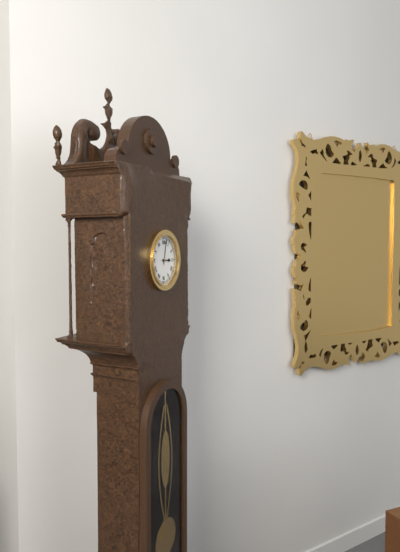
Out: **3:02**
